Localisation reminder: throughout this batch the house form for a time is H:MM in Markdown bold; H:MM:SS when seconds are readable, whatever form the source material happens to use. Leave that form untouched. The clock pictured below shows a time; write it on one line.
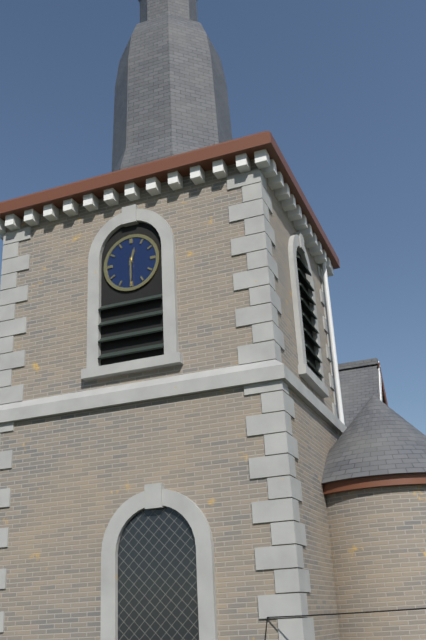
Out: **12:30**
